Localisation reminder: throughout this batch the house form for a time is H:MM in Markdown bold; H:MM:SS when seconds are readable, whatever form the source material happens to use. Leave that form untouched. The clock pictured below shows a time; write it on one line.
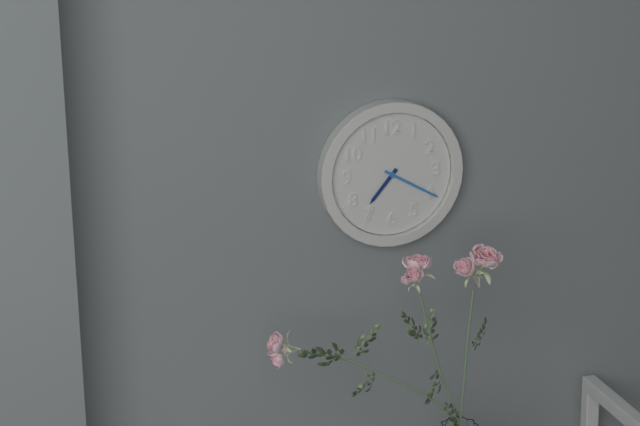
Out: **7:20**
